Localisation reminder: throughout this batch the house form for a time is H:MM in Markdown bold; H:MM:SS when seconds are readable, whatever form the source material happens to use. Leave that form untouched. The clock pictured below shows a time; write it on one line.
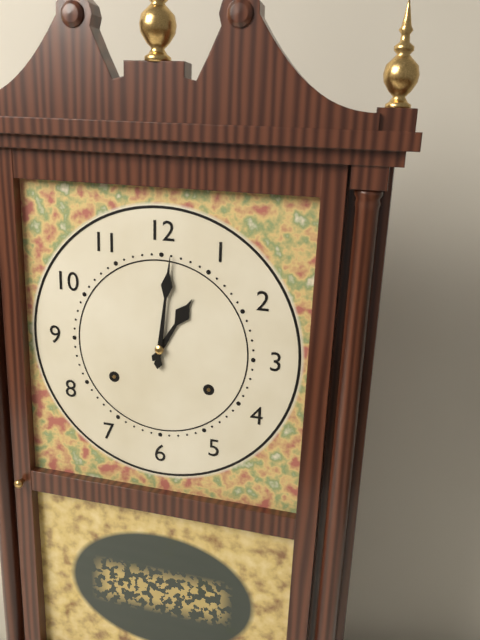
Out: **1:01**
